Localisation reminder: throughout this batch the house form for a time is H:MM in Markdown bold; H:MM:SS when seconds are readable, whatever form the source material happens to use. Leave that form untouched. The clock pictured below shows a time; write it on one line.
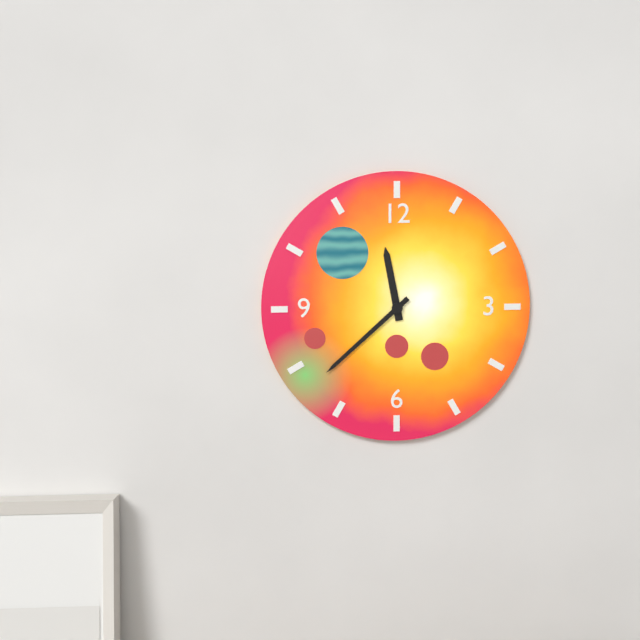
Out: **11:38**
